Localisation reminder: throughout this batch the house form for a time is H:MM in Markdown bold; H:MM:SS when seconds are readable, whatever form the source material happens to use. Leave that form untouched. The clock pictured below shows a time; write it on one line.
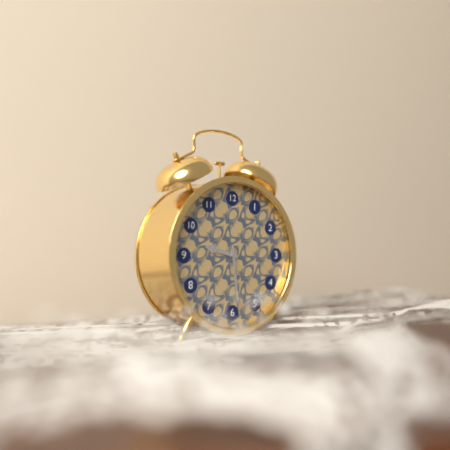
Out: **9:29**
